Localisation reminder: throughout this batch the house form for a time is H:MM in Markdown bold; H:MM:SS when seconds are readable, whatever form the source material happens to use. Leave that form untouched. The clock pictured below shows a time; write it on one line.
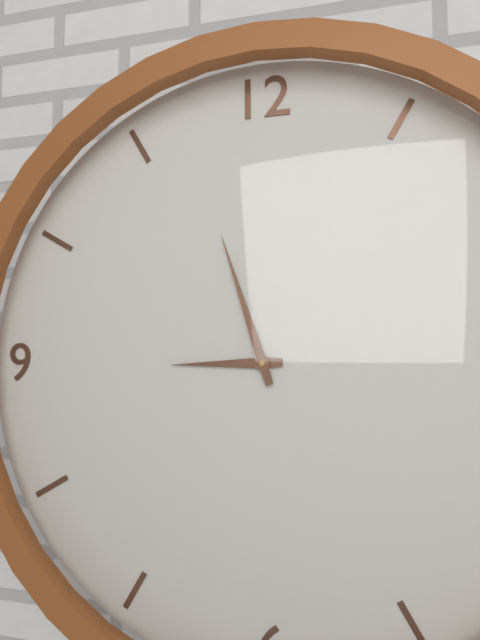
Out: **8:57**
